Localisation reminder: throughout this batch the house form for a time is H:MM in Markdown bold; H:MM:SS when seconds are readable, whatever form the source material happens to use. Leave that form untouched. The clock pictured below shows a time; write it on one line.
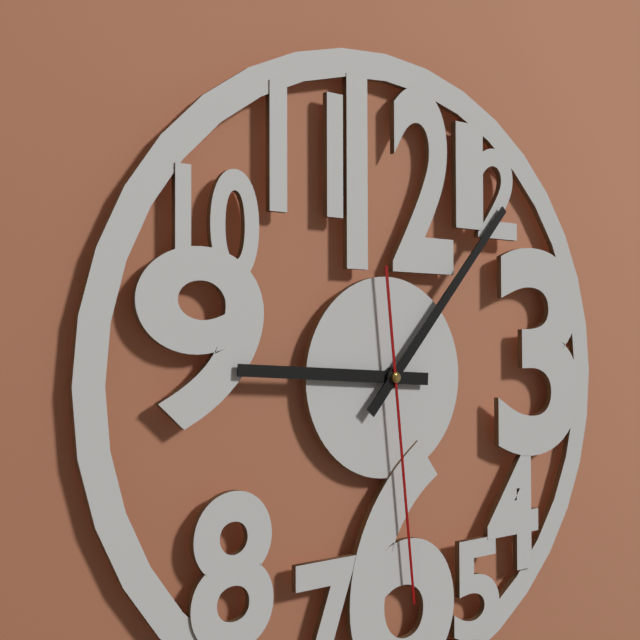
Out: **9:07:29**
